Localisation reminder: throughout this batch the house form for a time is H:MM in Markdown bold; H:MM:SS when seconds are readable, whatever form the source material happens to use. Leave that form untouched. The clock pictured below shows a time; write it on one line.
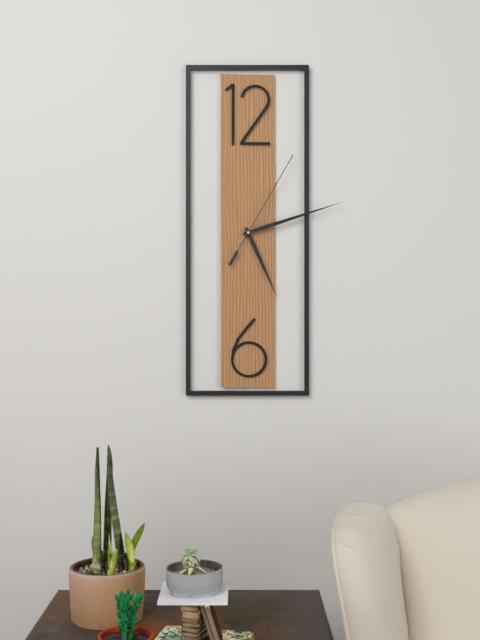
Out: **5:12:05**
